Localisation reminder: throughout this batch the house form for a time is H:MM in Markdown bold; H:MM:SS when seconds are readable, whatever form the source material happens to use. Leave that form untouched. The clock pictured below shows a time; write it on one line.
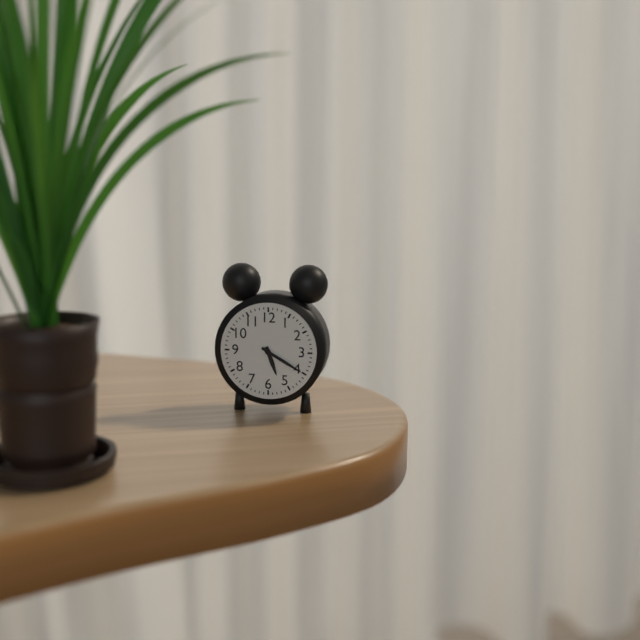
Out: **5:20**
